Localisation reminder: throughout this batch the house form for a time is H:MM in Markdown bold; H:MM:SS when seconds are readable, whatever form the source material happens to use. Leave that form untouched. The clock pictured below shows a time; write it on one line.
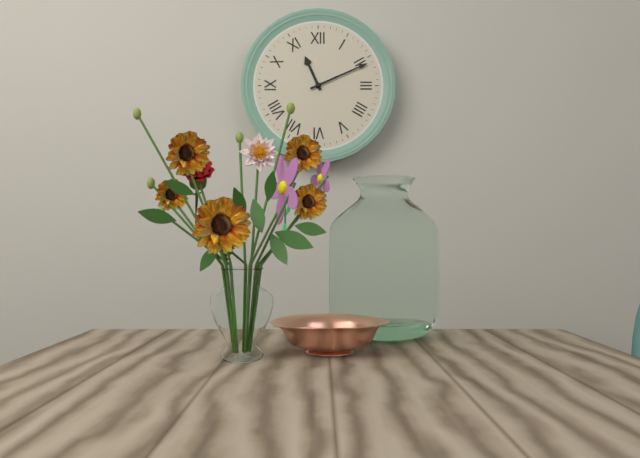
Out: **11:11**
